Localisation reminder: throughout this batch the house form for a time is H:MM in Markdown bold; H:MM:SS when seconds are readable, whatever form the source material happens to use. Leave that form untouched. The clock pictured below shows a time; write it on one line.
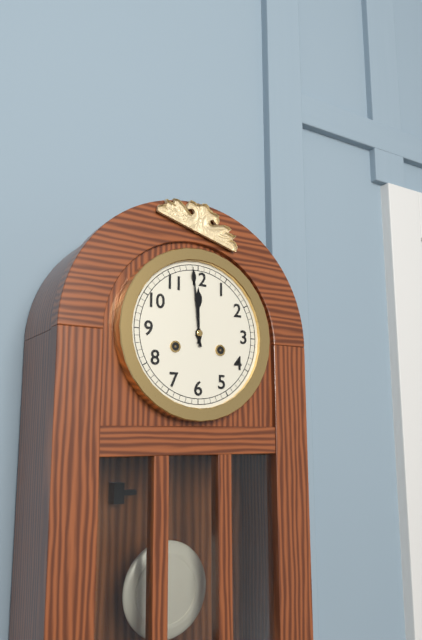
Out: **11:59**
